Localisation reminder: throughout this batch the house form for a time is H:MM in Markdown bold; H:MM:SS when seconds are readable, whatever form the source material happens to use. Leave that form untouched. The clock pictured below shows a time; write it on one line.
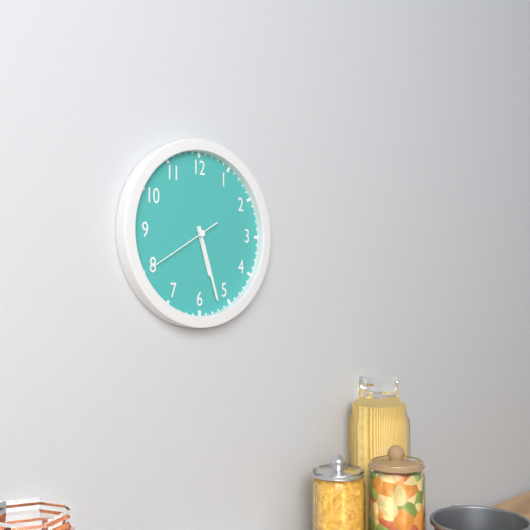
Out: **5:27:40**
